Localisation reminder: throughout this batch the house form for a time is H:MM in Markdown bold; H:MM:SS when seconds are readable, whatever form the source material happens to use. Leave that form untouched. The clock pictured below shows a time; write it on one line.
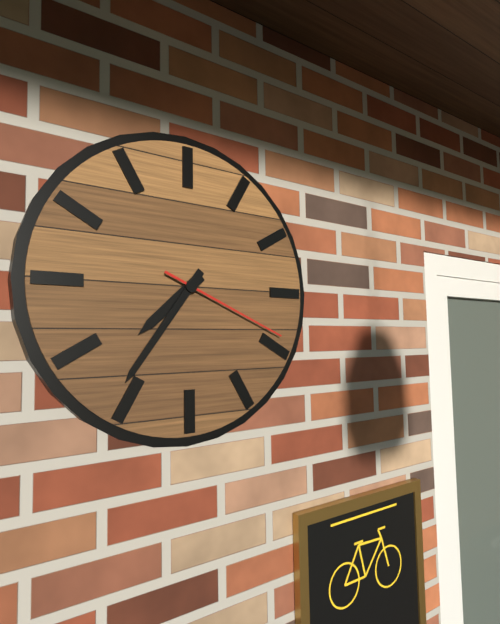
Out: **7:36:19**
